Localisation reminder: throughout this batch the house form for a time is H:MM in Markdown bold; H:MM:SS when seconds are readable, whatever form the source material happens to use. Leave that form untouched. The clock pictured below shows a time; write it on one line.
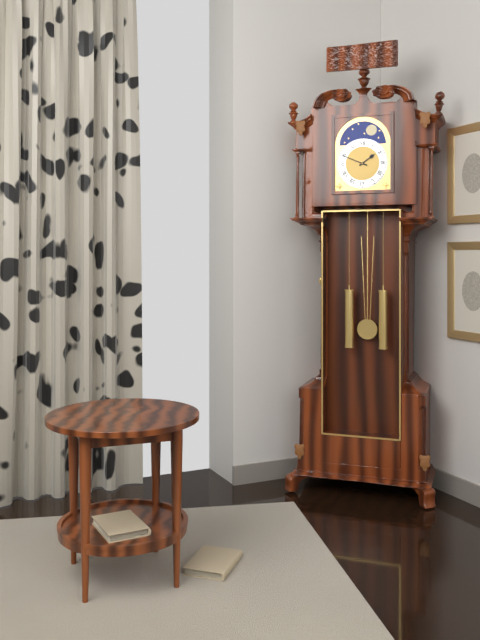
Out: **1:49**
